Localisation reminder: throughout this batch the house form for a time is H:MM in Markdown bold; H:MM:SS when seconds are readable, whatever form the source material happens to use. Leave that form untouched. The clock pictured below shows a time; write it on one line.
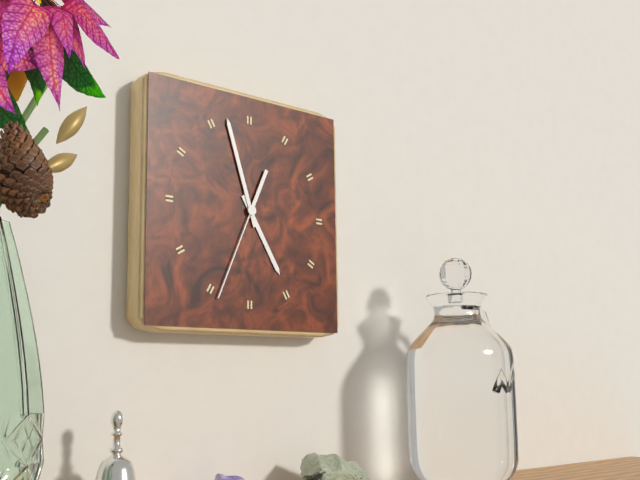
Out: **4:57:34**
